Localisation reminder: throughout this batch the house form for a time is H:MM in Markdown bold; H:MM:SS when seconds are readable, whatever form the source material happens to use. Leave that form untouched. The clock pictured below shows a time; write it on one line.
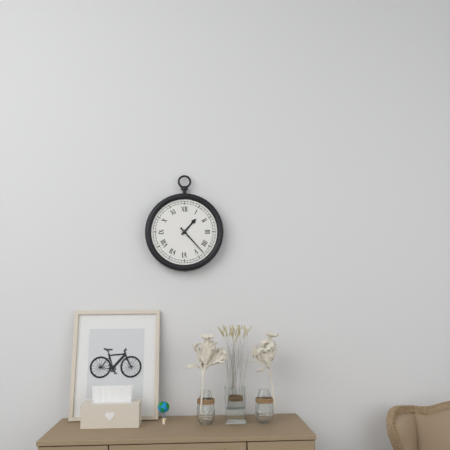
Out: **1:23**
